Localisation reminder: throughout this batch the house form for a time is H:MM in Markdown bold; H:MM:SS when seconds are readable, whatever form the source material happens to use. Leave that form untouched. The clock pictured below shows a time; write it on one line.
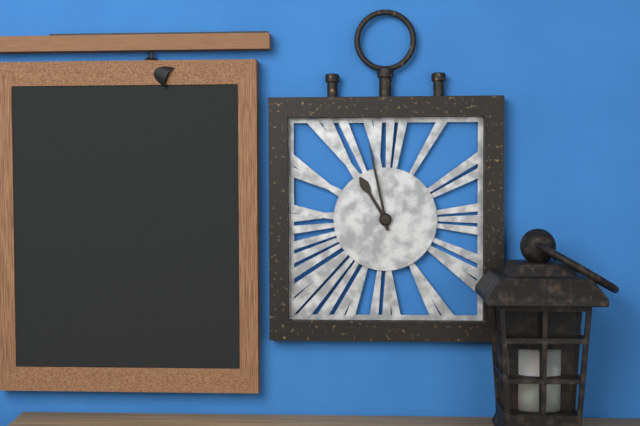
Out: **10:58**
